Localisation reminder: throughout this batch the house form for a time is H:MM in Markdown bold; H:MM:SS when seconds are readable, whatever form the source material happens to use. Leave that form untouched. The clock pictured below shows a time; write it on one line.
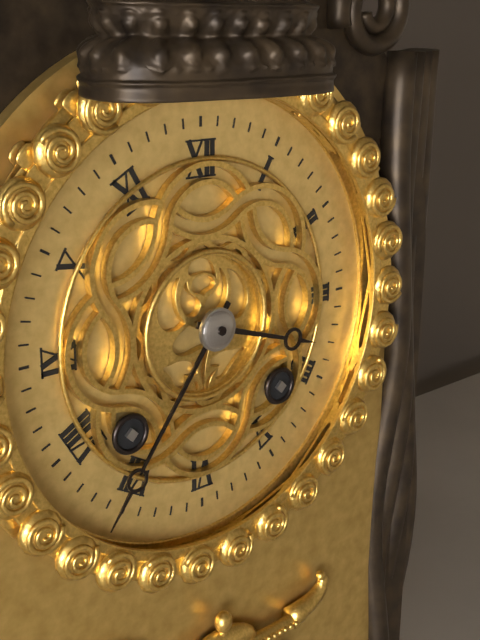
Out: **3:36**
